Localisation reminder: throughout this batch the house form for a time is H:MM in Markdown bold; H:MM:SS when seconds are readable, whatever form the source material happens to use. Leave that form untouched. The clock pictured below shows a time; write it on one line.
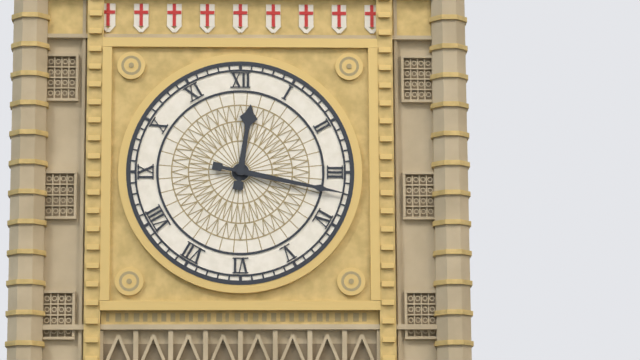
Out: **12:17**
